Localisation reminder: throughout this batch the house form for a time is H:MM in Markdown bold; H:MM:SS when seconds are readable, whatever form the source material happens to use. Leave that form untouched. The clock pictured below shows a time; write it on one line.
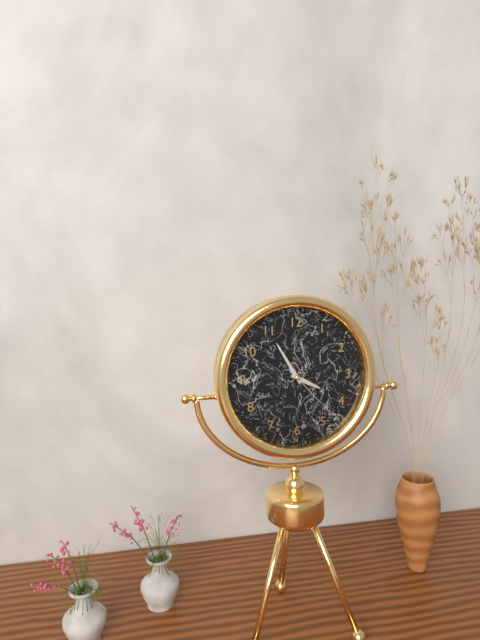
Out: **3:55:23**
